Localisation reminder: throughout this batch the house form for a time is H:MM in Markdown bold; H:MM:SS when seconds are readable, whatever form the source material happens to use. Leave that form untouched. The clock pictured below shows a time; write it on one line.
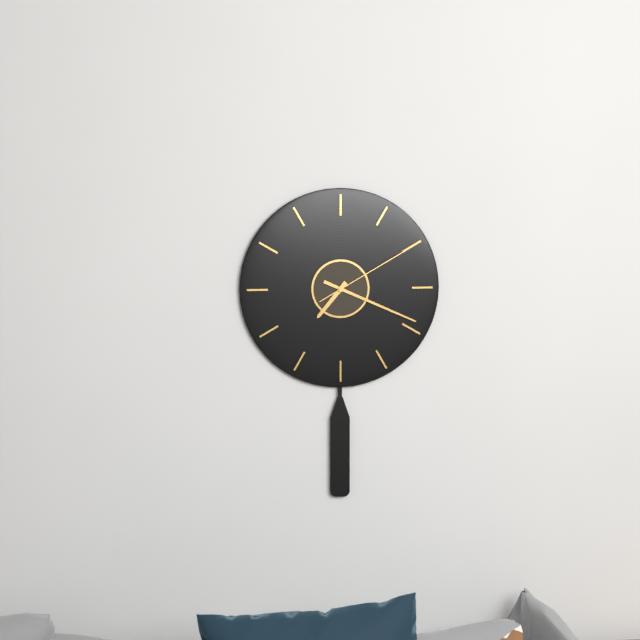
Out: **7:19:10**
